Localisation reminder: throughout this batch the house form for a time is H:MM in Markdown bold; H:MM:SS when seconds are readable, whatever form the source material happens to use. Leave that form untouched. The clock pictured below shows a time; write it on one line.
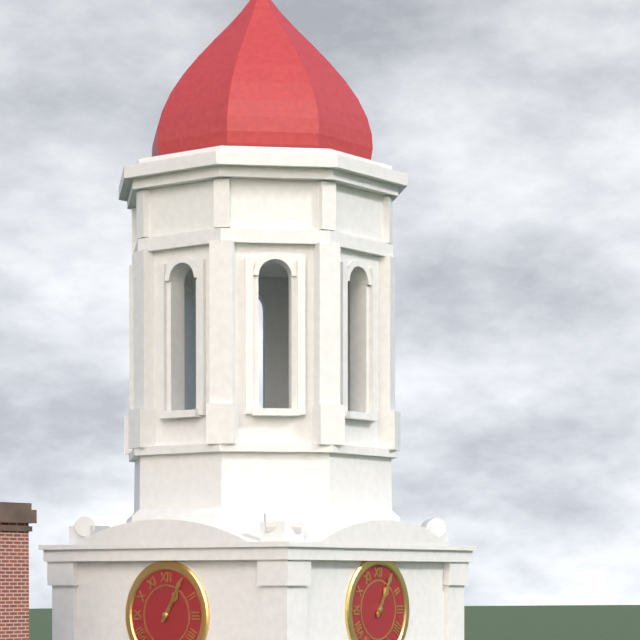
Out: **1:05**
